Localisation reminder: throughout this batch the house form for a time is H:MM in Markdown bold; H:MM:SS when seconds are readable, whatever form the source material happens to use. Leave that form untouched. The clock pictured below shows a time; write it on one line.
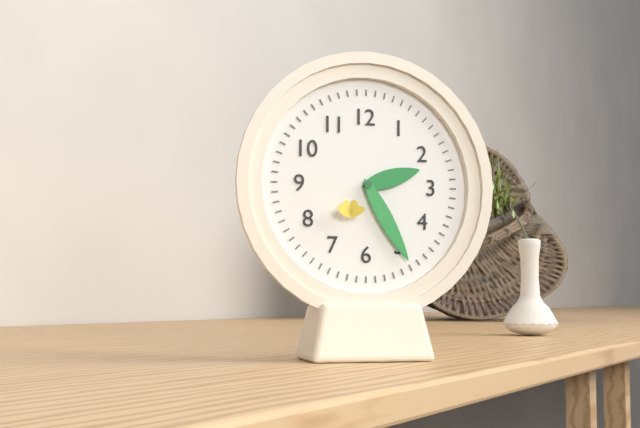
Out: **2:25**
